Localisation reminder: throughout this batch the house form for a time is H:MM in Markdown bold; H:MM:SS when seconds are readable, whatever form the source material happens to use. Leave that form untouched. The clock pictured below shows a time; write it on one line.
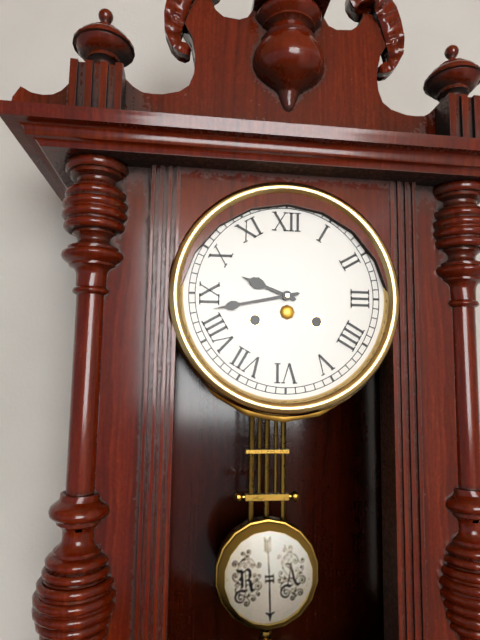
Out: **9:43**
